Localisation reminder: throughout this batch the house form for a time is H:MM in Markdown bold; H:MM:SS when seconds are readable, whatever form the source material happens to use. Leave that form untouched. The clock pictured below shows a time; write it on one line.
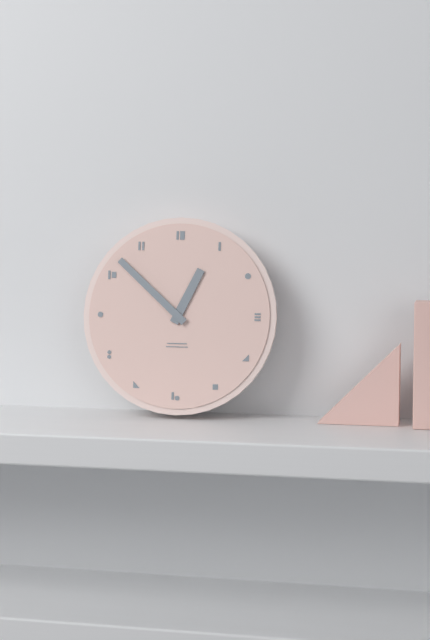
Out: **12:52**
